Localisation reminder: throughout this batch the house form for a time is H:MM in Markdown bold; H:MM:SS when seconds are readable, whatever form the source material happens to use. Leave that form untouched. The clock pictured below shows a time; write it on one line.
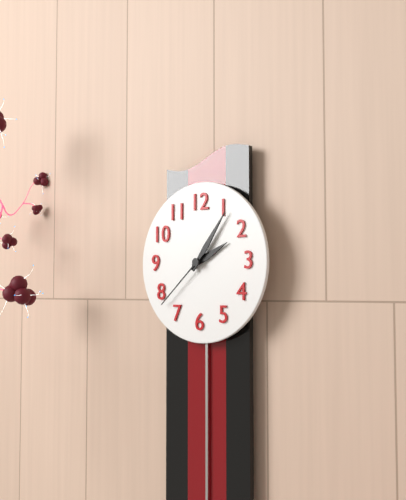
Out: **2:06:38**
